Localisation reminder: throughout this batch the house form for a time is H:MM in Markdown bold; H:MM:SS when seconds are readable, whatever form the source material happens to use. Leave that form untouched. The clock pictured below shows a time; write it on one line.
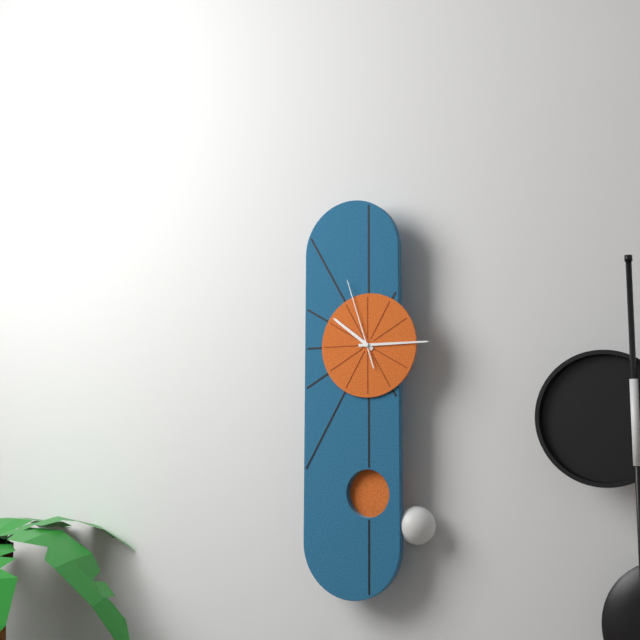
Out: **10:15:57**
